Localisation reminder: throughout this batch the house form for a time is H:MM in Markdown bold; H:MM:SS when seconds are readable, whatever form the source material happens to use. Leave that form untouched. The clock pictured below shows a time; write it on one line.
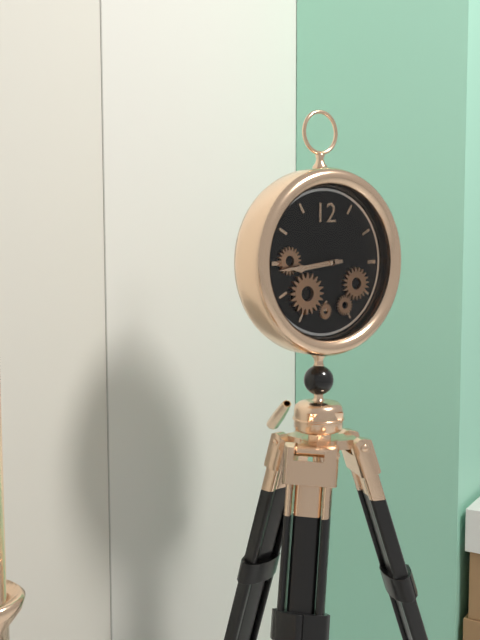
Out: **8:44**
